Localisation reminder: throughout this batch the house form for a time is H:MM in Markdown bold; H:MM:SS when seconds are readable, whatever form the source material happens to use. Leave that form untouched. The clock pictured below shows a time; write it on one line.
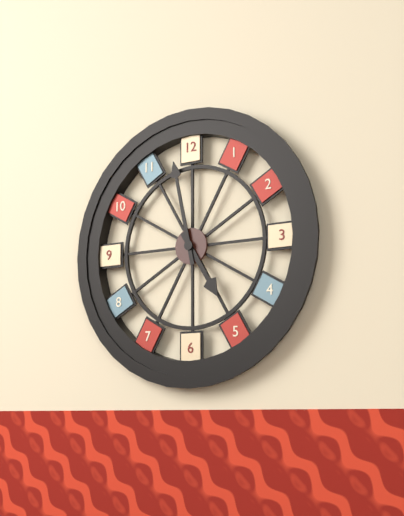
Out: **4:58**
